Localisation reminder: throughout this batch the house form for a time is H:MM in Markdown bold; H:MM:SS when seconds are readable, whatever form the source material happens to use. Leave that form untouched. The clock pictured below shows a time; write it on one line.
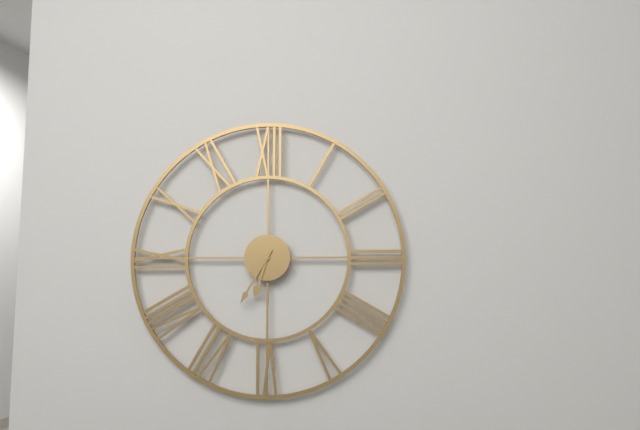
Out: **6:35**
